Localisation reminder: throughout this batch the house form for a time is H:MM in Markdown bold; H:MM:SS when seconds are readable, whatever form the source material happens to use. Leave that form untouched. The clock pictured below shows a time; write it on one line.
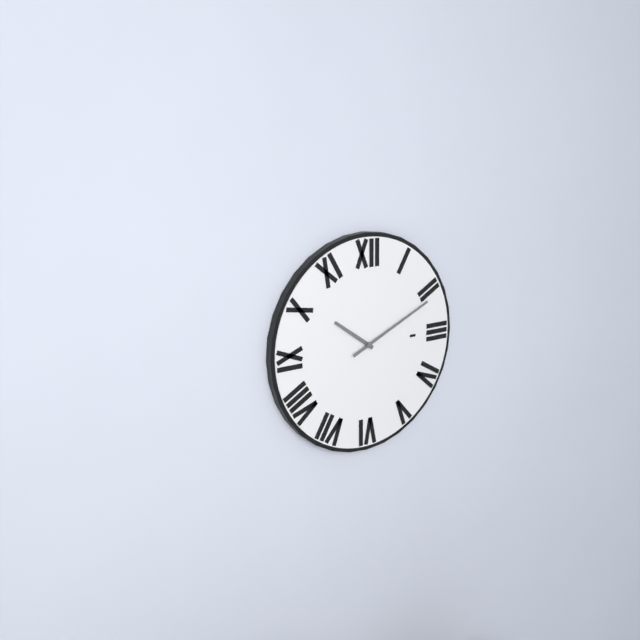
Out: **10:11**
